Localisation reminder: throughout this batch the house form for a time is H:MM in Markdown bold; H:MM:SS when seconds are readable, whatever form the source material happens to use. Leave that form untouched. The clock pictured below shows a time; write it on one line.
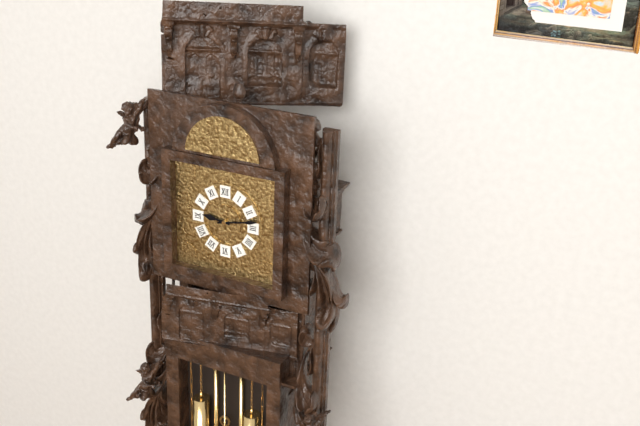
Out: **9:13**
